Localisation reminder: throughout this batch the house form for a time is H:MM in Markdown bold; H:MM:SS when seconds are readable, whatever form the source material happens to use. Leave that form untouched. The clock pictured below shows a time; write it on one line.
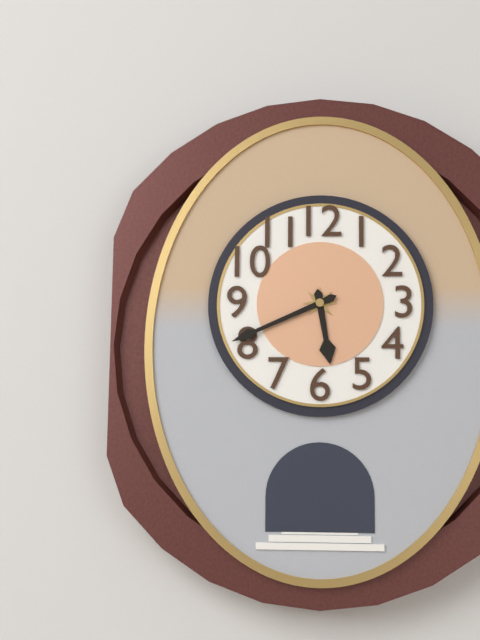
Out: **5:41**
